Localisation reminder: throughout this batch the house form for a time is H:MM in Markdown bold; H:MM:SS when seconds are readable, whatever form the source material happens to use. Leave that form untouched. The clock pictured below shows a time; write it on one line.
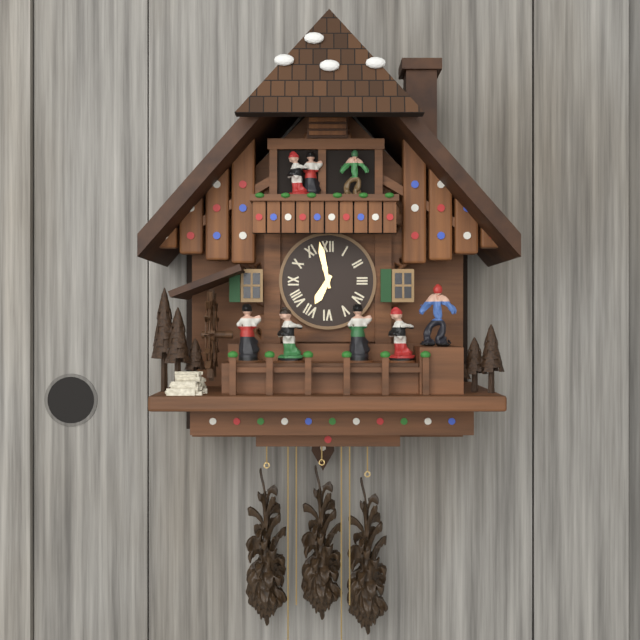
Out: **6:58**
